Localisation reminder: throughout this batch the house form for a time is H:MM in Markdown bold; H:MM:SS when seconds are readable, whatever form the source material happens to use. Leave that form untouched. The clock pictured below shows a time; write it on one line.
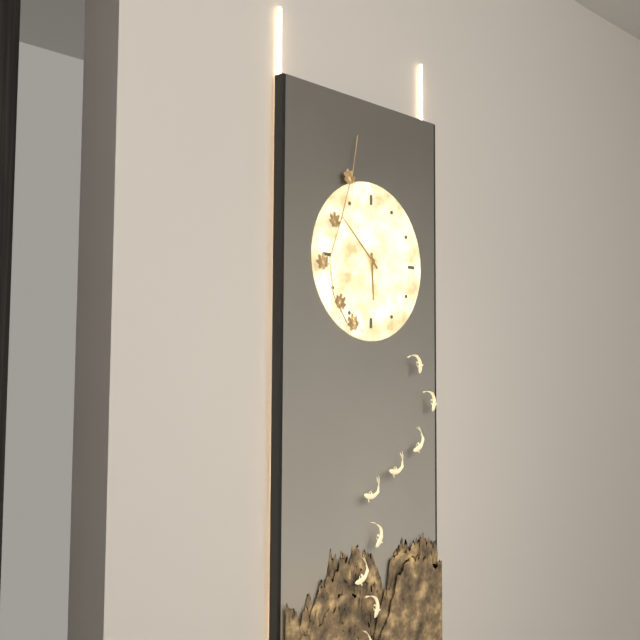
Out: **5:52**
